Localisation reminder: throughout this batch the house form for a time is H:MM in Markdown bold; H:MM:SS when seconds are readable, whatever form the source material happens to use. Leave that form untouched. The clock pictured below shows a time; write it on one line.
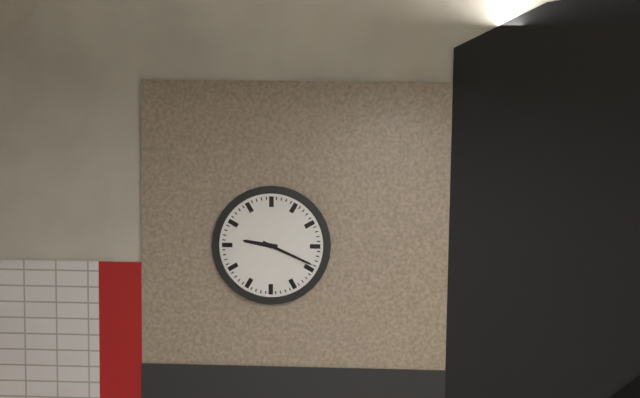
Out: **9:19**
